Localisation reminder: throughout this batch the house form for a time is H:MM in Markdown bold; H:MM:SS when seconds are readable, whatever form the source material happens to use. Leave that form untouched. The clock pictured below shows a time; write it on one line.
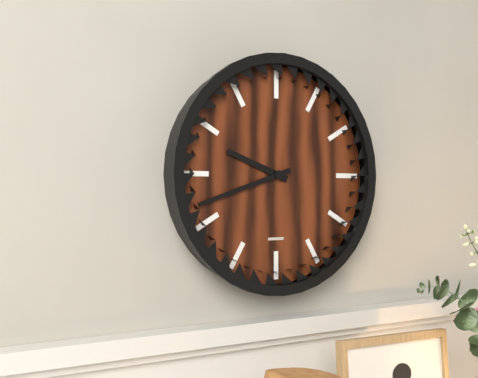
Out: **9:42**
